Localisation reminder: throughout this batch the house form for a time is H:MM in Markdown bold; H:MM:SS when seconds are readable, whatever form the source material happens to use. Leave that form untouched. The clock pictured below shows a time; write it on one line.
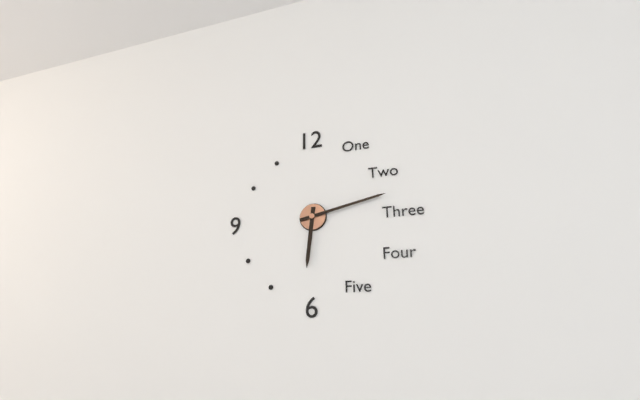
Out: **6:13**
